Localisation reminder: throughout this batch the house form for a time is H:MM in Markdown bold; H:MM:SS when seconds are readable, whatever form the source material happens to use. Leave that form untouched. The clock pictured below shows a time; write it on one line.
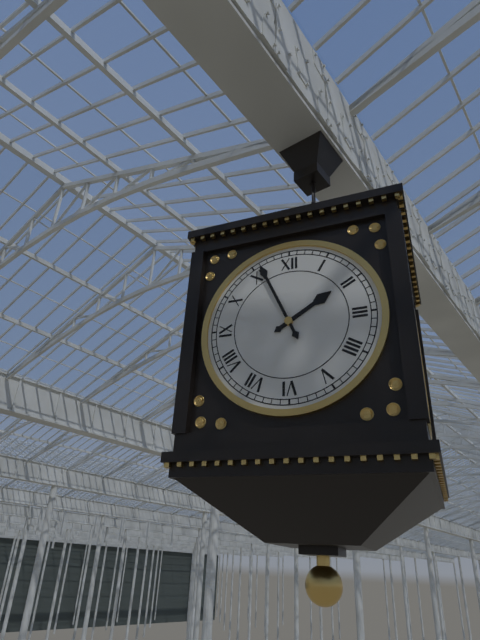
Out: **1:56**
